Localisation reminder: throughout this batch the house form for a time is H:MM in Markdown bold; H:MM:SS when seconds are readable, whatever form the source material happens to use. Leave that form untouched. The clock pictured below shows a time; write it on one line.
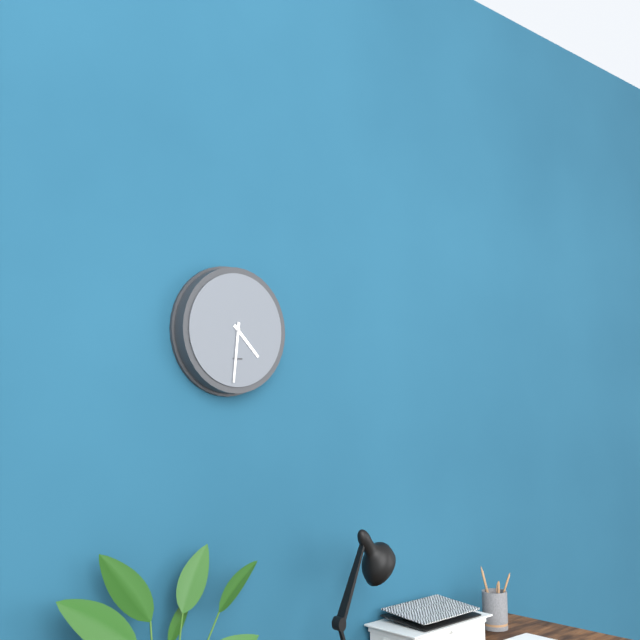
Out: **4:31**
